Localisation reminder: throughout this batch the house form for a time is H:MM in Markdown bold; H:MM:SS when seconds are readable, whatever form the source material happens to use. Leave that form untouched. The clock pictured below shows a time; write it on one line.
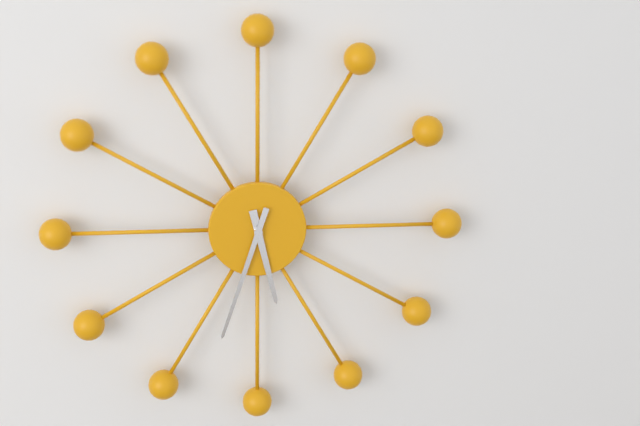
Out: **5:33**
